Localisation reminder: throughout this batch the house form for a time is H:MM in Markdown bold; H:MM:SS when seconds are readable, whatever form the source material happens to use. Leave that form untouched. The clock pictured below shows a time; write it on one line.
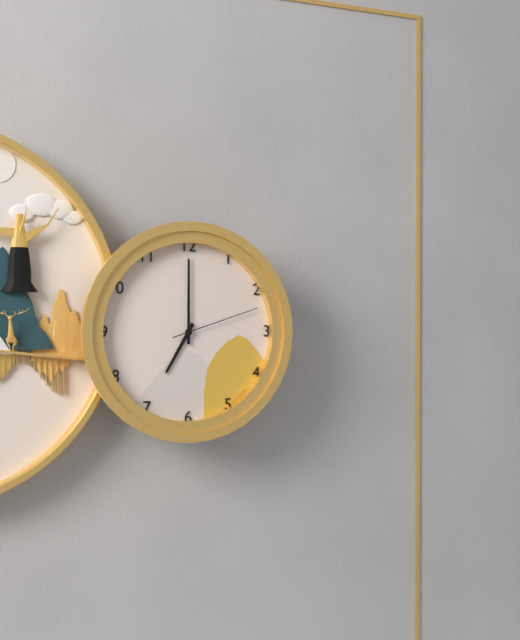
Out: **7:00:12**
